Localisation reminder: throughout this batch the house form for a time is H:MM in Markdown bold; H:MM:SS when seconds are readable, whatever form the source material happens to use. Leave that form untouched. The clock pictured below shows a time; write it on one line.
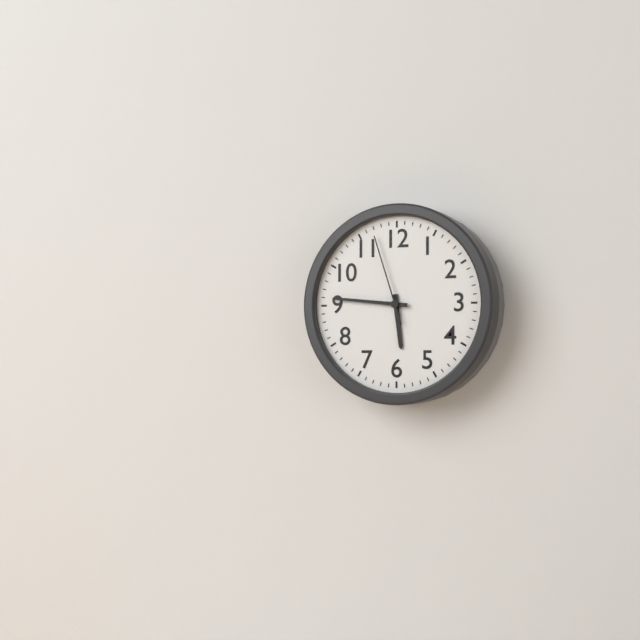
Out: **5:46:57**
